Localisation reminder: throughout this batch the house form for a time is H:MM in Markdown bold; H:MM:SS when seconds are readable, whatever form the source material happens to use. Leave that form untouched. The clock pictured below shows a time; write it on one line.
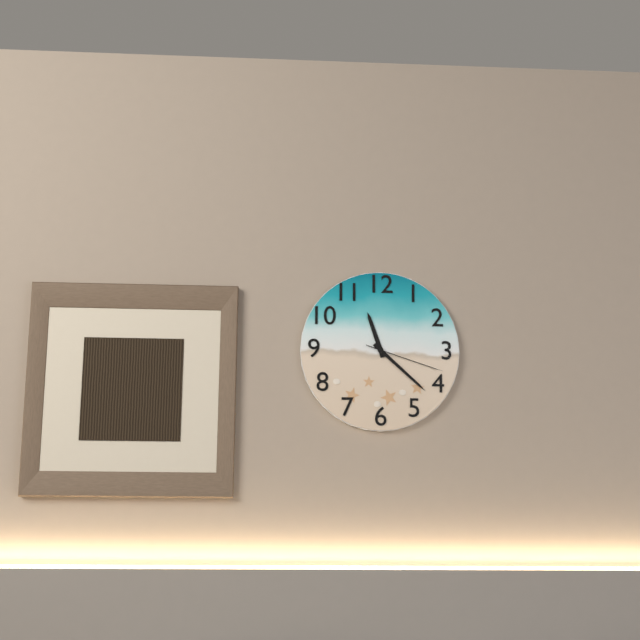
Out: **11:22:18**
